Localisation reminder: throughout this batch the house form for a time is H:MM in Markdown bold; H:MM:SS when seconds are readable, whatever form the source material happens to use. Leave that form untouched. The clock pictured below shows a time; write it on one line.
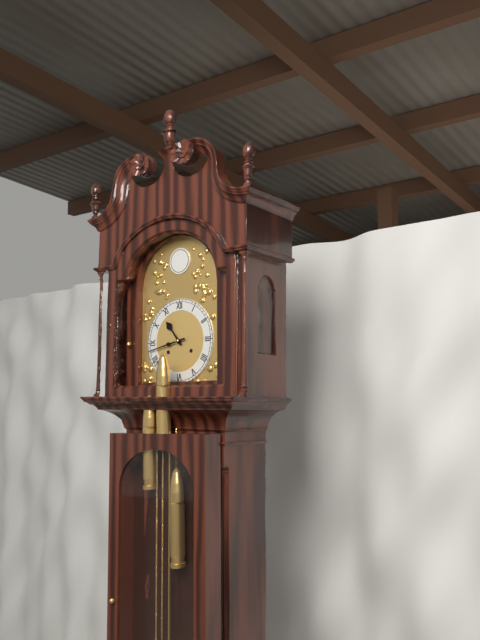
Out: **10:43**
